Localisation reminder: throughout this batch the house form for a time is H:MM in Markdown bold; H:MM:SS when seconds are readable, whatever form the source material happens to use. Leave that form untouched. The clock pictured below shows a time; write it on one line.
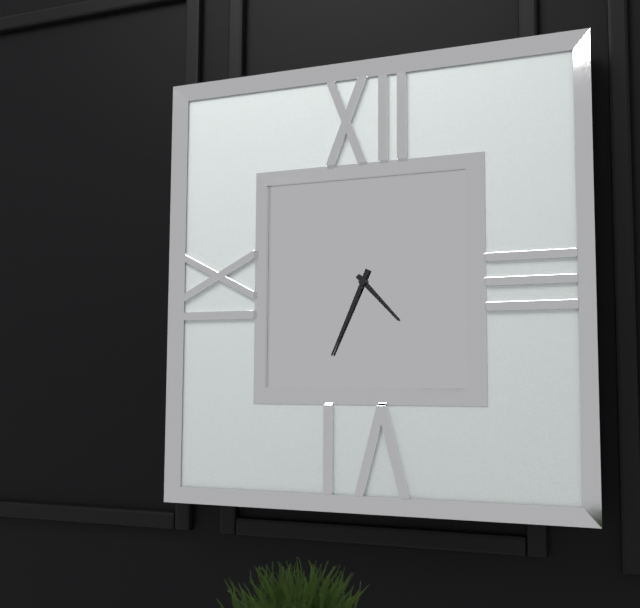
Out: **4:34**
